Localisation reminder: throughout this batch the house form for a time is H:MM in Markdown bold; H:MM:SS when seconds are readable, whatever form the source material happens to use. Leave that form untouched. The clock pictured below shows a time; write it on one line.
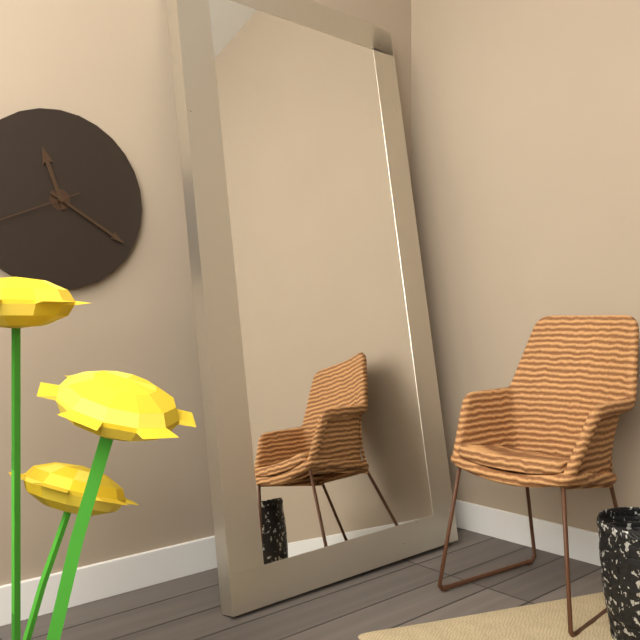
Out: **11:20**
